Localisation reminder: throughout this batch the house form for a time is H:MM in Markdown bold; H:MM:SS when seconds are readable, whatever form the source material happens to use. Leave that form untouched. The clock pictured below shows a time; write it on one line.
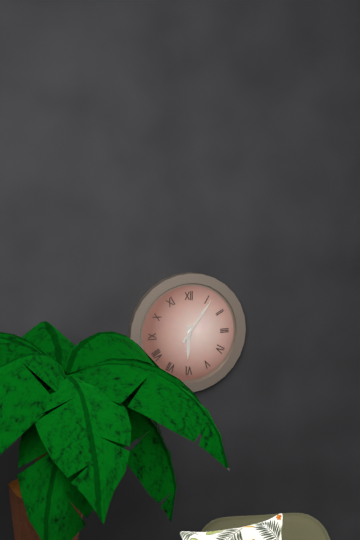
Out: **6:06**
